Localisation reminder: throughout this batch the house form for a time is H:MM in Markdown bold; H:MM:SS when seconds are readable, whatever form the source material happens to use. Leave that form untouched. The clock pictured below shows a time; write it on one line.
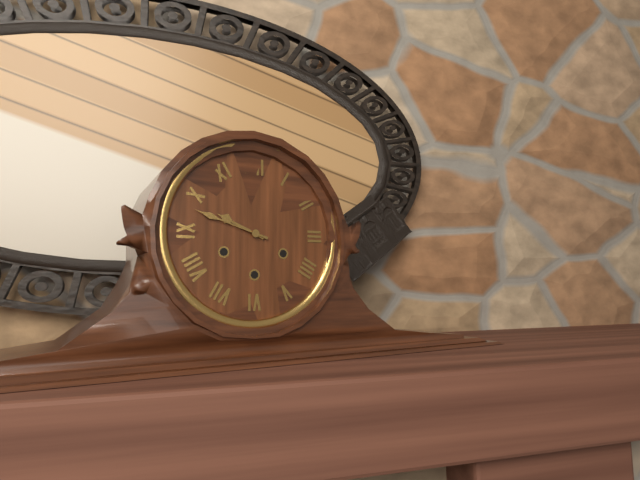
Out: **9:48**
